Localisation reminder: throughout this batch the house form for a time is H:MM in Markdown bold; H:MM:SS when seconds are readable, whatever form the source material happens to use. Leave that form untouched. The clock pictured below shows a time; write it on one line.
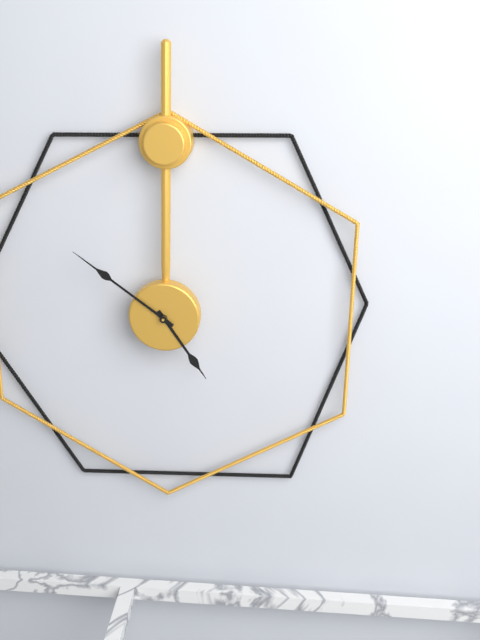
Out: **4:51**
